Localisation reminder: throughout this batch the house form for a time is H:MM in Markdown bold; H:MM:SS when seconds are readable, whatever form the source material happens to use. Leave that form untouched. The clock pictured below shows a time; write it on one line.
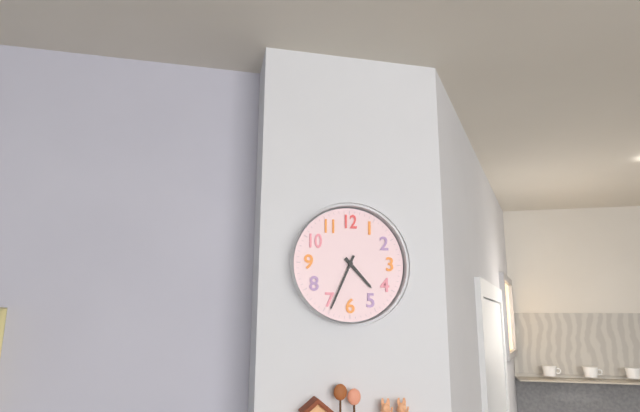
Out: **4:34**
